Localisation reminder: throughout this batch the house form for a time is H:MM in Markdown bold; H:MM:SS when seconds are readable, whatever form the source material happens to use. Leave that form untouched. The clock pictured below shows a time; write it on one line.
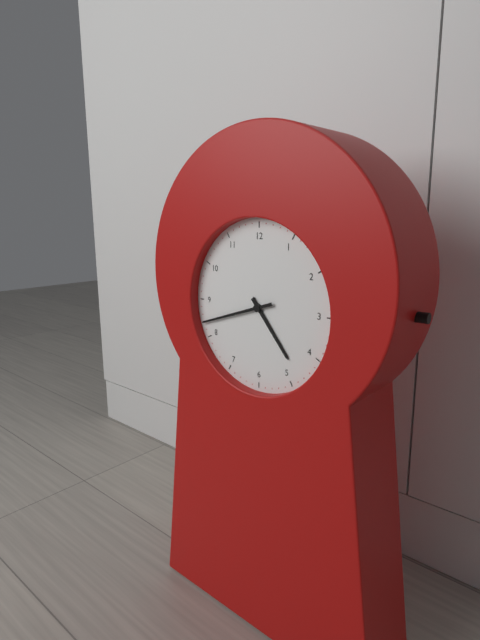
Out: **4:42**
